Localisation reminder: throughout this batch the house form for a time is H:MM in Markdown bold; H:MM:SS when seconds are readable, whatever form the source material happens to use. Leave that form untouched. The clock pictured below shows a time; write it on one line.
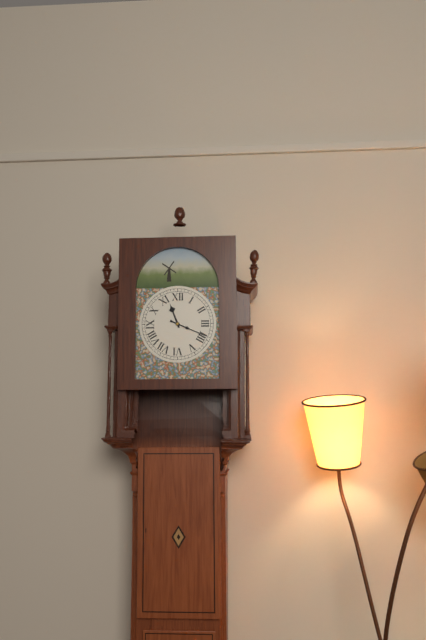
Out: **11:19**
